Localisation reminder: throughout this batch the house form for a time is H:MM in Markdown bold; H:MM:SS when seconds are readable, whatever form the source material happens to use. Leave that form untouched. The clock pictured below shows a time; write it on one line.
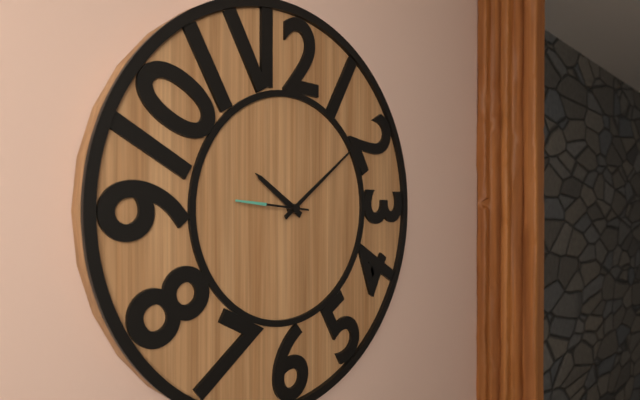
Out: **10:09:46**
